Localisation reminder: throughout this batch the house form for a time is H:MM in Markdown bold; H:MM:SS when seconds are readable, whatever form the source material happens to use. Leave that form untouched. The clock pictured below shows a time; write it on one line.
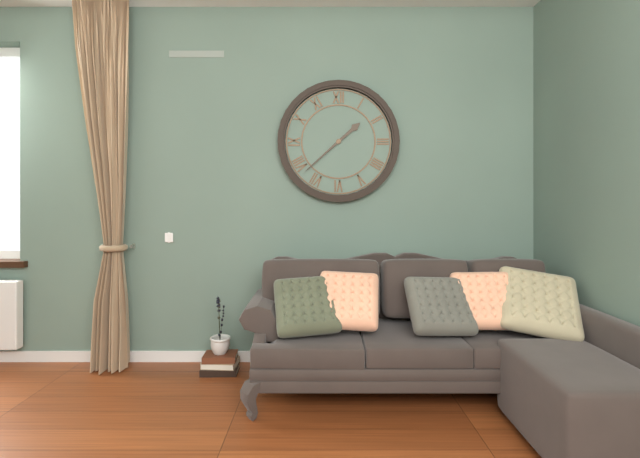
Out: **1:38**
